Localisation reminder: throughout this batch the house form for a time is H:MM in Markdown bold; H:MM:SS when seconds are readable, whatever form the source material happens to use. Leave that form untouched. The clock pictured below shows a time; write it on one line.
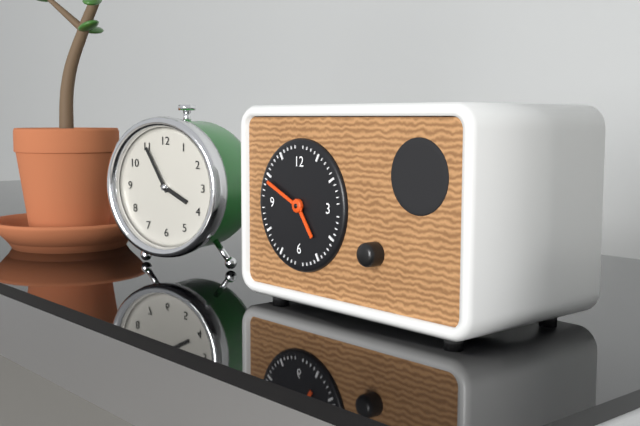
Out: **4:49**
